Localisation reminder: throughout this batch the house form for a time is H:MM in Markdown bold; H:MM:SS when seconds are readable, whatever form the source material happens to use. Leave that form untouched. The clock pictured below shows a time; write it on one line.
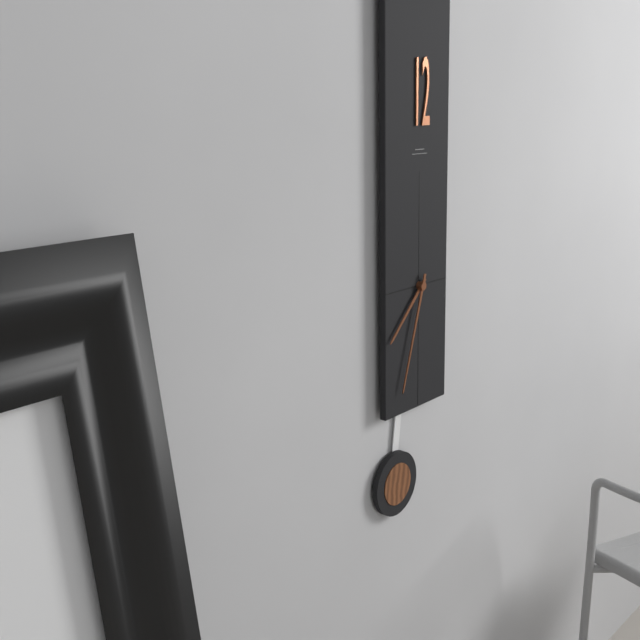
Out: **7:33**
